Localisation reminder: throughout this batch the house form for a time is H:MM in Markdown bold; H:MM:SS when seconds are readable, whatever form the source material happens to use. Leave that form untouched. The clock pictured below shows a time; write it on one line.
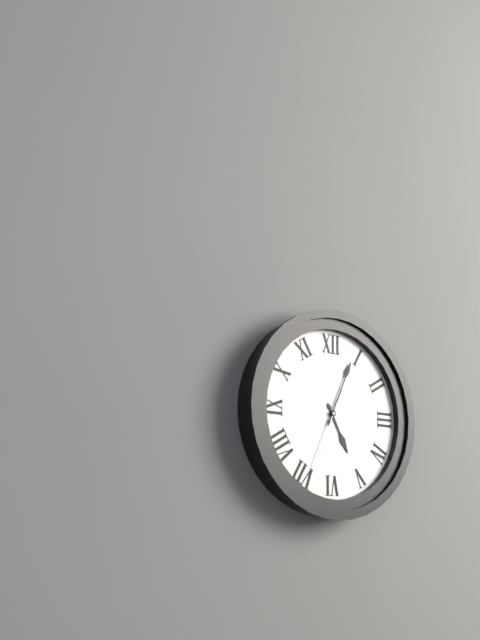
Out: **5:04:34**
